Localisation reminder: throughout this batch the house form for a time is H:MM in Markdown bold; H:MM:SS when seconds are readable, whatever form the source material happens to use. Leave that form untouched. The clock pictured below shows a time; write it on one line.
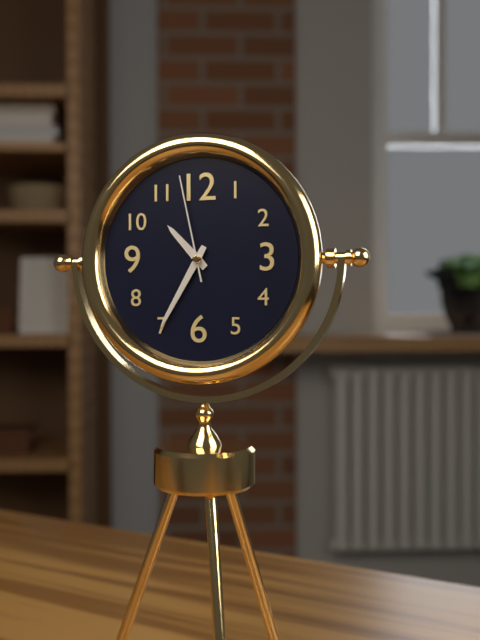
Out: **10:35:58**
